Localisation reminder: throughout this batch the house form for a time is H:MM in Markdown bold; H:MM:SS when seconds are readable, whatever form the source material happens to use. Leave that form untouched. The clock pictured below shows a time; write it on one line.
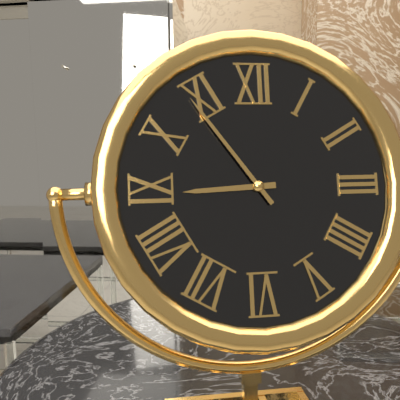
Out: **8:54**
